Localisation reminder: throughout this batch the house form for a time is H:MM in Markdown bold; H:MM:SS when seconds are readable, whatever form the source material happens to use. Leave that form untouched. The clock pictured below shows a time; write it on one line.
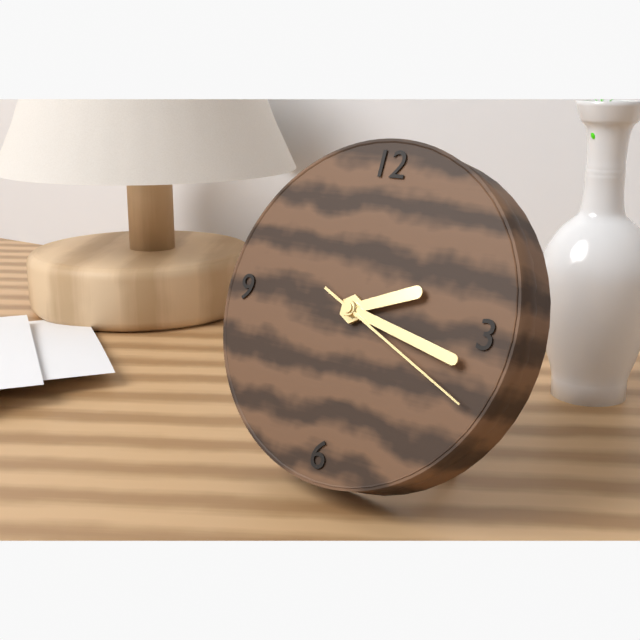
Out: **2:17:19**
